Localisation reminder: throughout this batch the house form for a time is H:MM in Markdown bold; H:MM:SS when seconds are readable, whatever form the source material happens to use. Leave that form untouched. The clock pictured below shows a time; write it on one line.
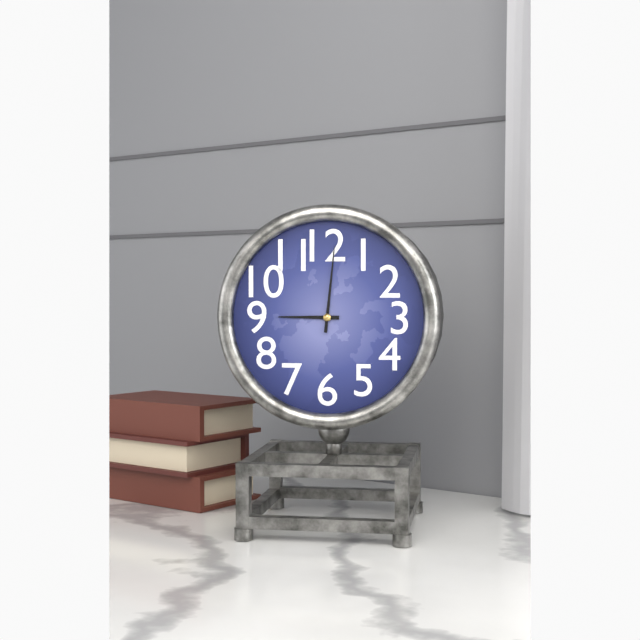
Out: **9:01**
